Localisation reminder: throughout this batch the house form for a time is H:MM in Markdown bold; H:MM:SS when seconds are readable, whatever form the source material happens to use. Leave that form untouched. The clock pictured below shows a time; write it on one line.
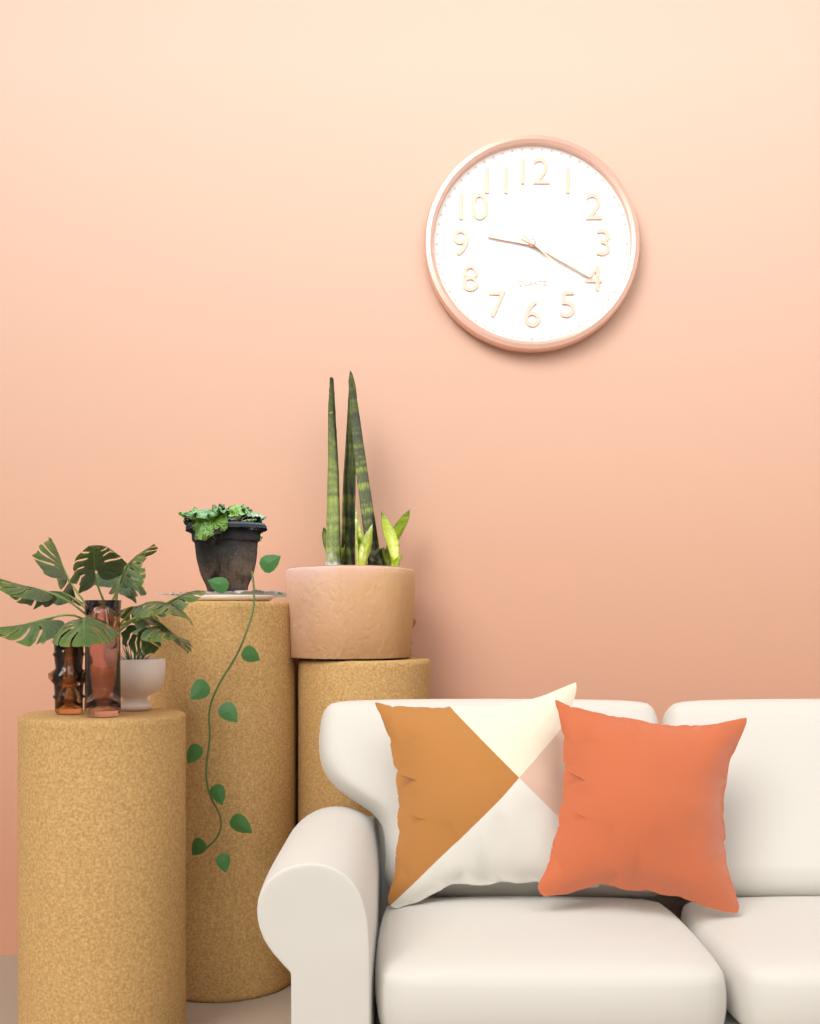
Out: **9:20:22**
